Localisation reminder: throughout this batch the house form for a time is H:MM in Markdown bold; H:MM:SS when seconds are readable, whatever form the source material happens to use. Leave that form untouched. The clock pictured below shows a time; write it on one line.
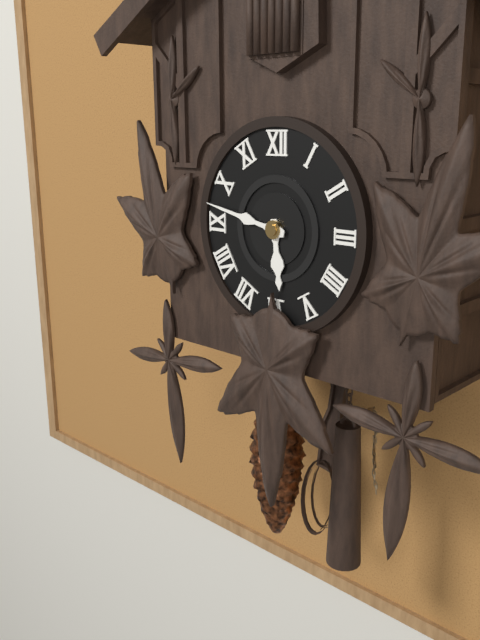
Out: **5:47**
